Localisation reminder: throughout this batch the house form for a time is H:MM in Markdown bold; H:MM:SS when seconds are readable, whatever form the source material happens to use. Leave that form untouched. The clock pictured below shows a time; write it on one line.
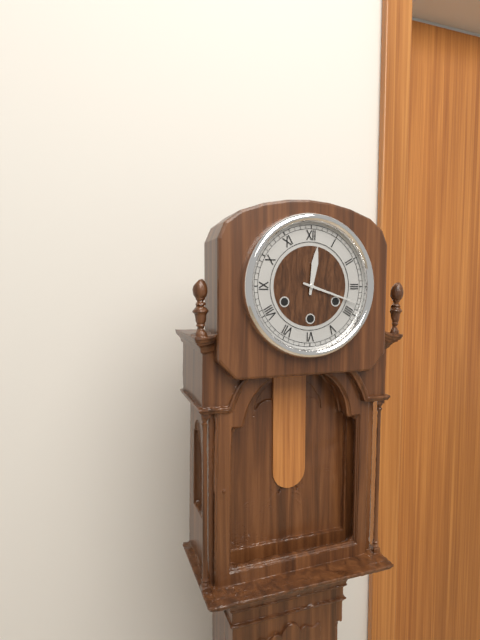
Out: **12:18**
